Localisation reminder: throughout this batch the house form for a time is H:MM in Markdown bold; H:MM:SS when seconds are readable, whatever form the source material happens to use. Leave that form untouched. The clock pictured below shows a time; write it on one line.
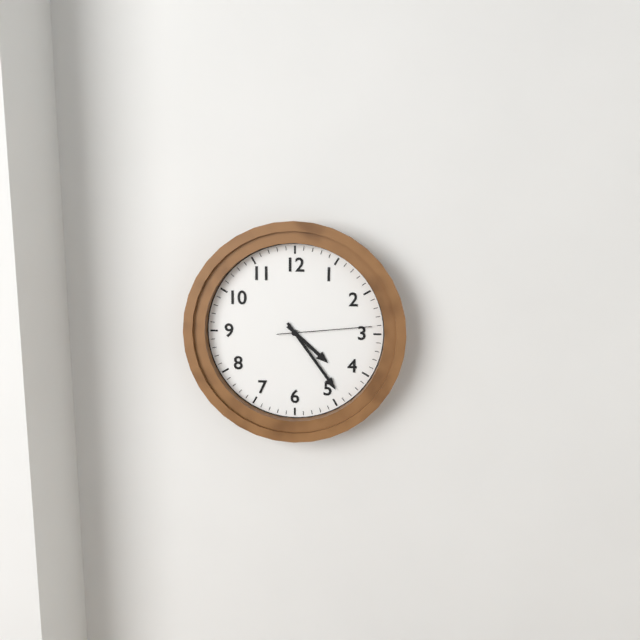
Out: **4:24:14**
